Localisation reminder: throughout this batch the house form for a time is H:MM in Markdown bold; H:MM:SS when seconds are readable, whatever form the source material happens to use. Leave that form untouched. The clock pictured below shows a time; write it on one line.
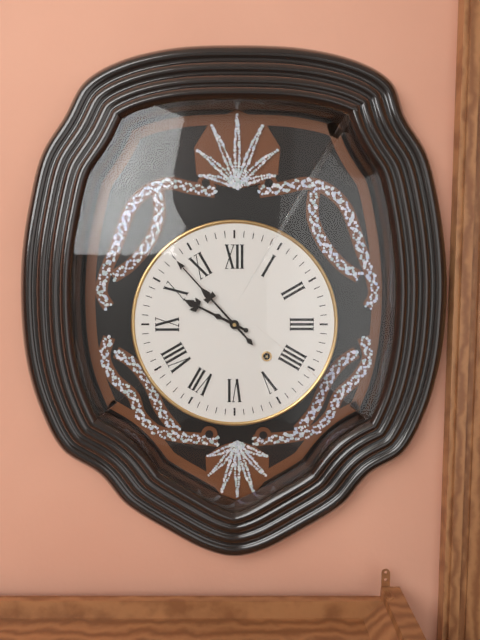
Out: **9:53**
